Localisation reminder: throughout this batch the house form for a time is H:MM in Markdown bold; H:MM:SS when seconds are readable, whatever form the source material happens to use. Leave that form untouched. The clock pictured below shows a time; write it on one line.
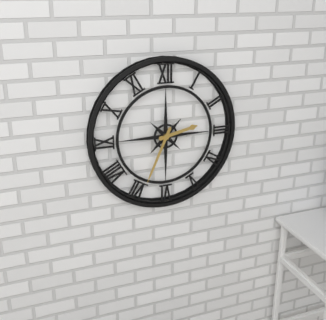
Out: **2:34**
